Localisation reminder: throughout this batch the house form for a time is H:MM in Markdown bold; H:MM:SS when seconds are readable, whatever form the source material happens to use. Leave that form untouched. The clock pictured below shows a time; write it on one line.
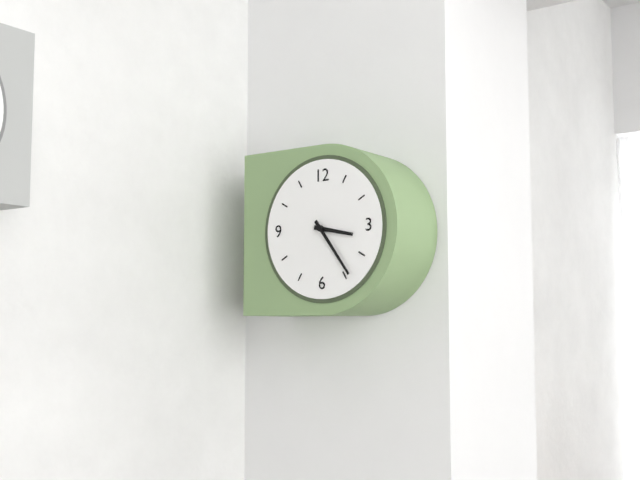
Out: **3:24**
